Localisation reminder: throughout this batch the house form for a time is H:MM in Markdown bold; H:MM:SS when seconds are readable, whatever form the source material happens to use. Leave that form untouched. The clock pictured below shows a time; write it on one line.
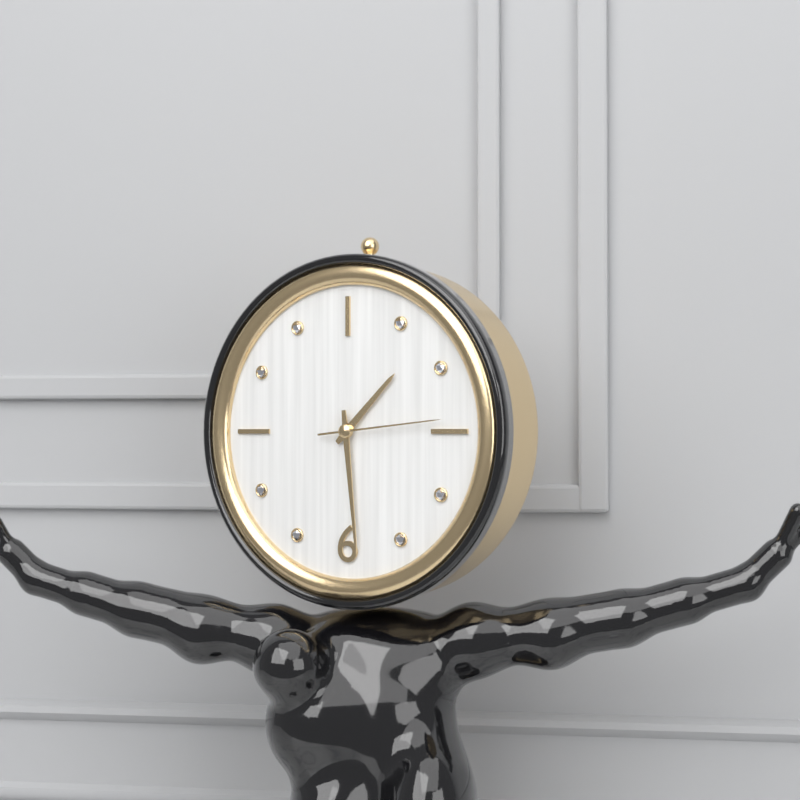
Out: **1:29:14**
